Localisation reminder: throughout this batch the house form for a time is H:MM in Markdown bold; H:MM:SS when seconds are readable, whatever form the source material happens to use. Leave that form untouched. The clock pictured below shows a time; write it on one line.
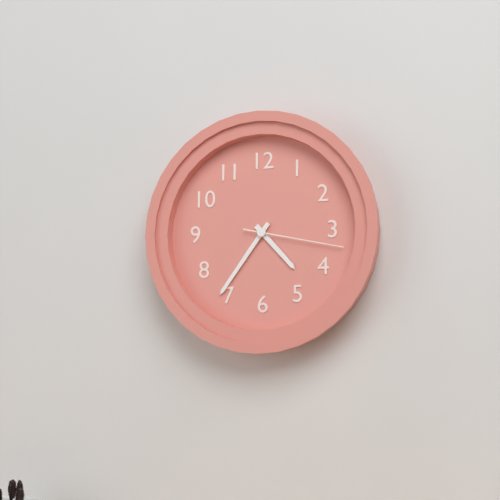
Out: **4:36:17**
